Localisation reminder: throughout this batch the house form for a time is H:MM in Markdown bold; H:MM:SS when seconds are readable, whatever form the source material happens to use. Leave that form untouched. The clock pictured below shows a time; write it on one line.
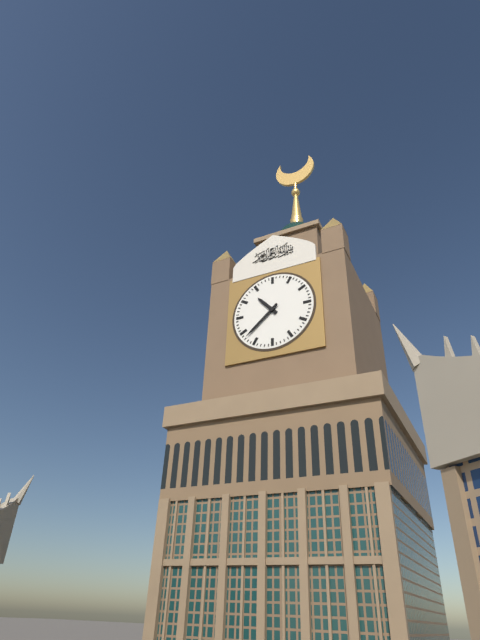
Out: **10:38**
